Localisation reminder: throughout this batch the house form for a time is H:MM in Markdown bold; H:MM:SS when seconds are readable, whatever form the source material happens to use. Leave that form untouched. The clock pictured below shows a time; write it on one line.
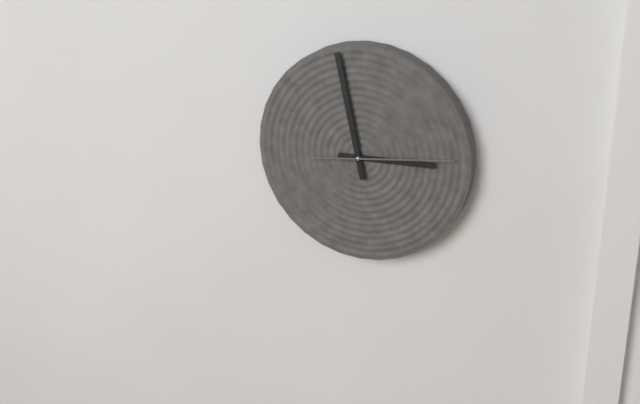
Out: **2:58:14**
